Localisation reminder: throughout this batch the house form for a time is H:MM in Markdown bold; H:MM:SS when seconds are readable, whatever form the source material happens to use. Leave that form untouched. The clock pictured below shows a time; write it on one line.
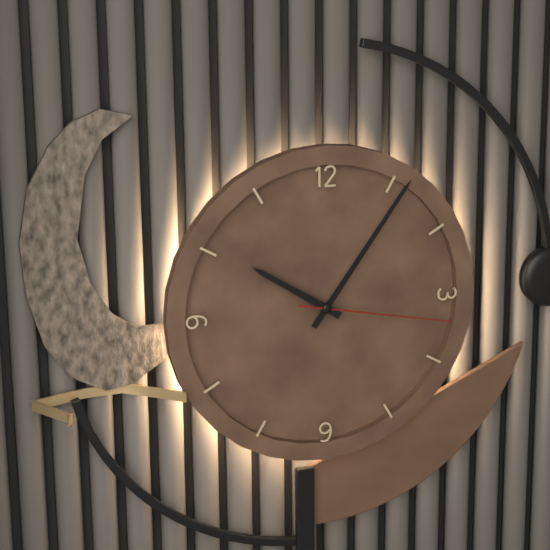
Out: **10:06:17**
